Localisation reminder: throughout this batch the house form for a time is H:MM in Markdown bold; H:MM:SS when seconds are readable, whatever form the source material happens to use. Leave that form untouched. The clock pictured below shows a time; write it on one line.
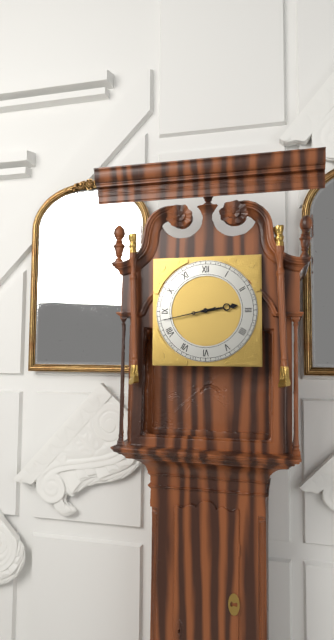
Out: **2:43**
